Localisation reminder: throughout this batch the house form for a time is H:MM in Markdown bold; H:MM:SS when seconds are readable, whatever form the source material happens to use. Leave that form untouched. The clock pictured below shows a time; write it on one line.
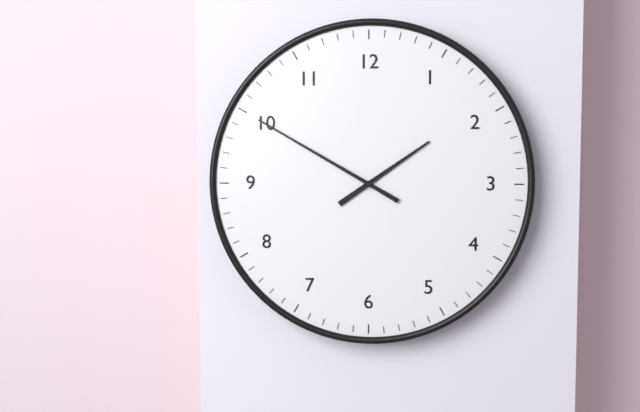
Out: **1:50**
